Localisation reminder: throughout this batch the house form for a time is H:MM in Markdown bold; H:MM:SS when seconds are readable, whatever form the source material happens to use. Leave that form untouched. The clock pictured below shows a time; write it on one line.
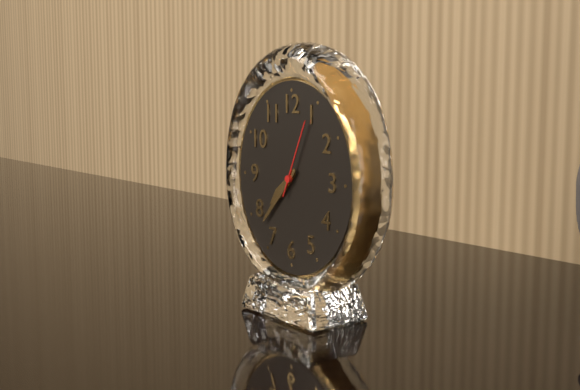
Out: **7:37:04**
